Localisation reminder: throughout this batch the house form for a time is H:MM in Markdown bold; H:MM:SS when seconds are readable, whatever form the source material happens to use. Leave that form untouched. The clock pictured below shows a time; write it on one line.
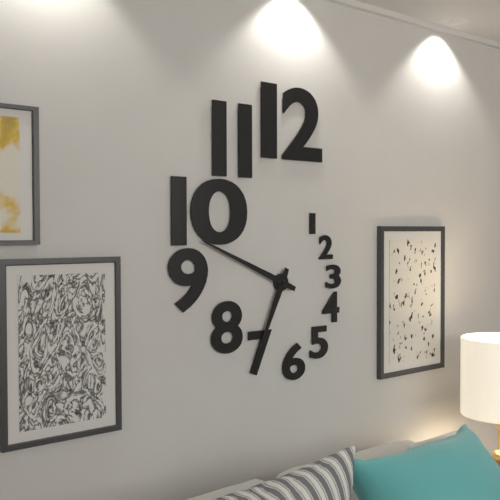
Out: **6:49**
